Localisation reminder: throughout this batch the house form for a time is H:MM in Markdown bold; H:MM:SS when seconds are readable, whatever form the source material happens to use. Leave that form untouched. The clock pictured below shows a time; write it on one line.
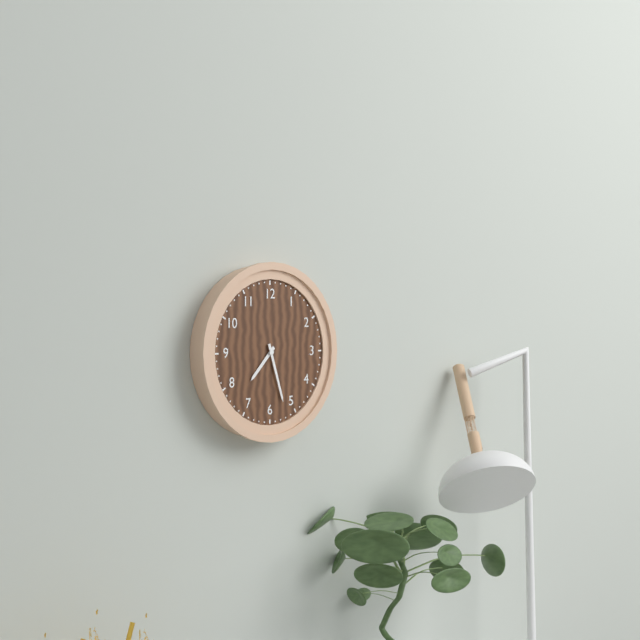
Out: **7:27**
